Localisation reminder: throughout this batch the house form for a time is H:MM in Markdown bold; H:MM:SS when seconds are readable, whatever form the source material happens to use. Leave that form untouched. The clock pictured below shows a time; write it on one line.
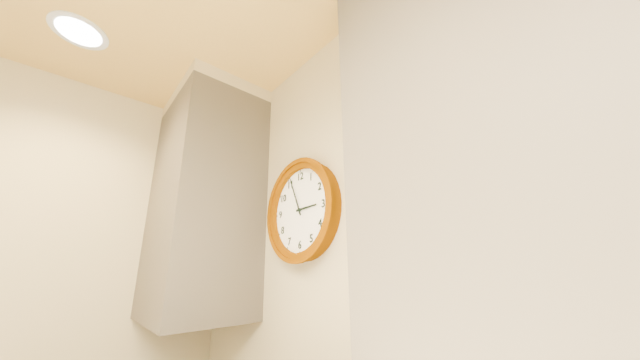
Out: **2:56**
